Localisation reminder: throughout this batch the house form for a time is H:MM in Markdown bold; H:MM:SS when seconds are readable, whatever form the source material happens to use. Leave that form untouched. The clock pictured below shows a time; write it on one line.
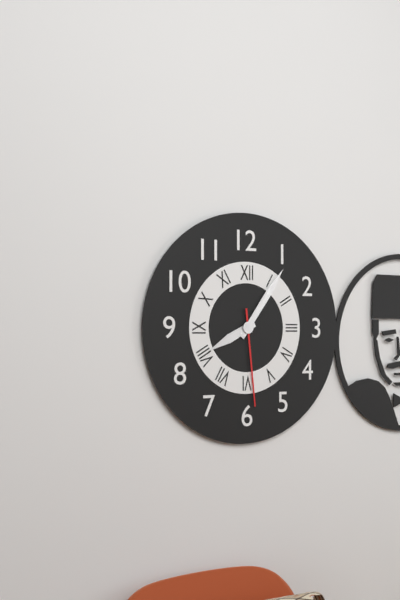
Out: **8:06:29**
